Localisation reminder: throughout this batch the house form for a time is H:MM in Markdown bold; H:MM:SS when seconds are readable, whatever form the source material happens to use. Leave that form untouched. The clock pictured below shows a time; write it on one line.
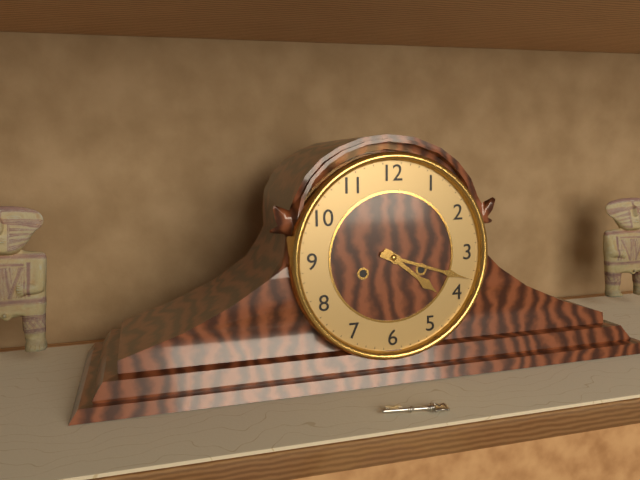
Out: **4:18**
